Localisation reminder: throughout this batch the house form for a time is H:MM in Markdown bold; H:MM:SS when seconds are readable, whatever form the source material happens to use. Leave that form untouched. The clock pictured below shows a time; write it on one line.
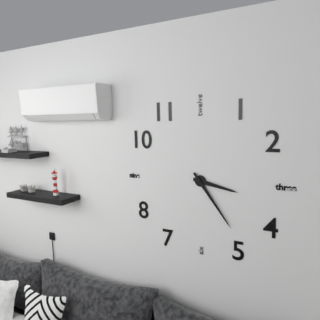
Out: **3:24**
